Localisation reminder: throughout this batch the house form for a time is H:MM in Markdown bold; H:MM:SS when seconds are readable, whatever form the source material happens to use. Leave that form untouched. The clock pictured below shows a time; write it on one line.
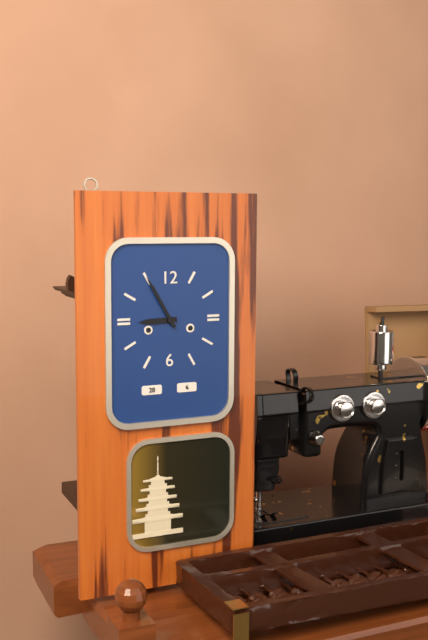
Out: **8:55**
